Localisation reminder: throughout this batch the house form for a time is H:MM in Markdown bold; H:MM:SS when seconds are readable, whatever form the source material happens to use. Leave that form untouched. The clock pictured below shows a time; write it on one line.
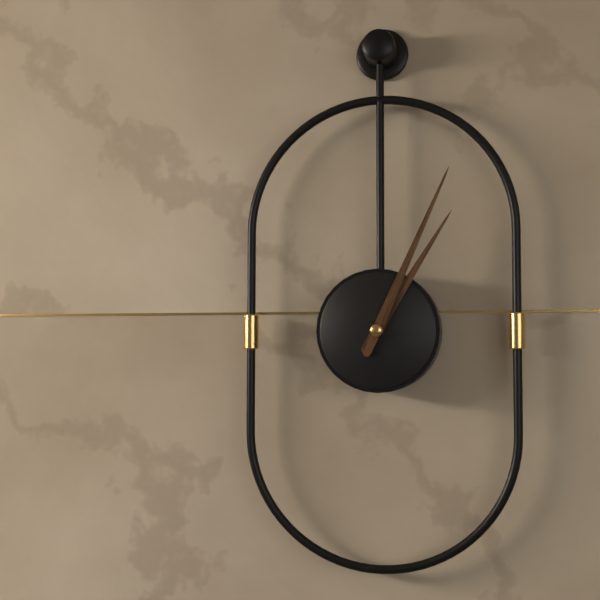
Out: **1:04**
